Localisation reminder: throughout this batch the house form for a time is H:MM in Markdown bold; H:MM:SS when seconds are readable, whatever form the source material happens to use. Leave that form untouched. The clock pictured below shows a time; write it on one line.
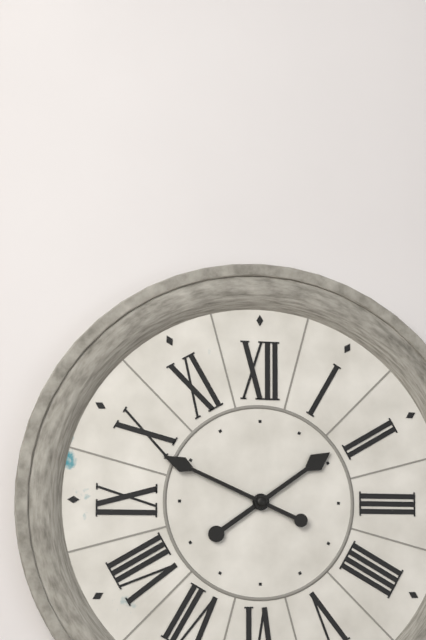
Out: **1:49**
